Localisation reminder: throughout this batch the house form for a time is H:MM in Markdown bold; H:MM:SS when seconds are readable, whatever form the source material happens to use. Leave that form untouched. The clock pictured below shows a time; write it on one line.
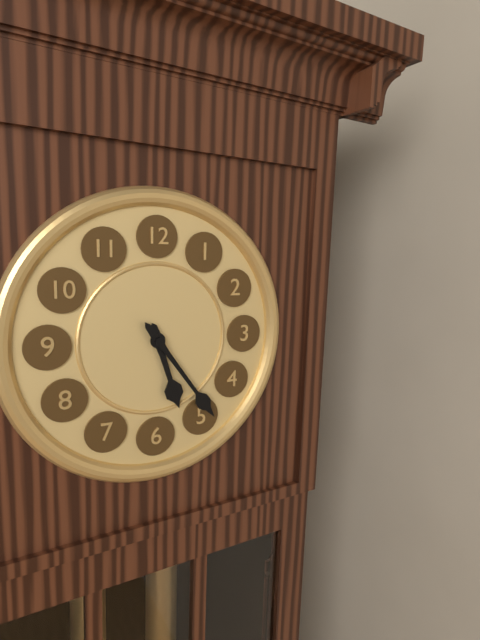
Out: **5:24**
